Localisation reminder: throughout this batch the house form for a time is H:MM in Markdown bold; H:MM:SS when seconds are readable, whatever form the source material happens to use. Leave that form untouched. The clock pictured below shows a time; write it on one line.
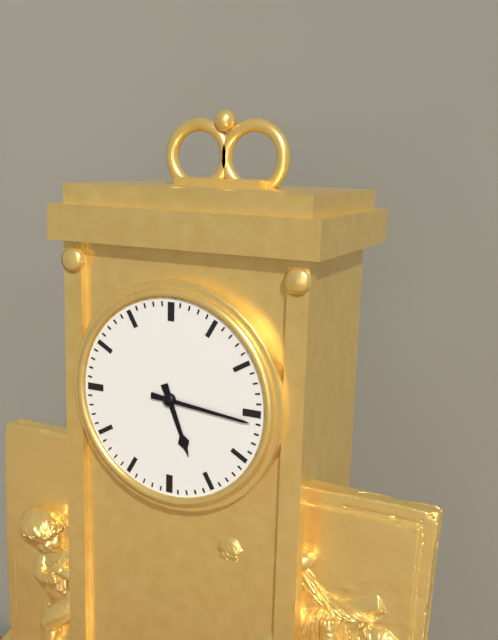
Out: **5:16**
